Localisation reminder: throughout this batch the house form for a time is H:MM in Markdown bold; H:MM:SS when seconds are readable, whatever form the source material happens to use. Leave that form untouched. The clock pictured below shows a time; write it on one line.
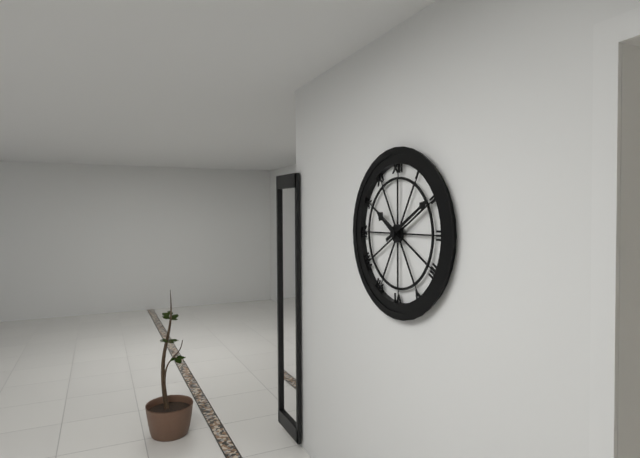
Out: **10:10**
